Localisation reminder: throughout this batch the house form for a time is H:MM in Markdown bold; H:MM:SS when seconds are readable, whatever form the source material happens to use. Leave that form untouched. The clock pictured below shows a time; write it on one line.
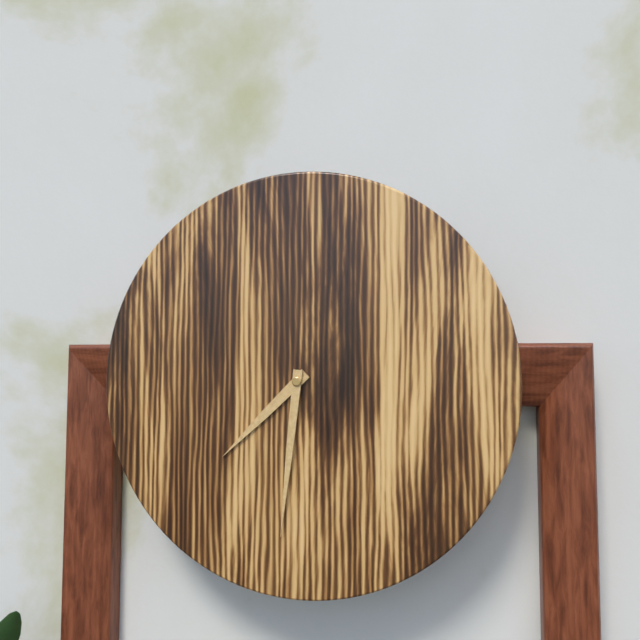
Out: **7:31**
